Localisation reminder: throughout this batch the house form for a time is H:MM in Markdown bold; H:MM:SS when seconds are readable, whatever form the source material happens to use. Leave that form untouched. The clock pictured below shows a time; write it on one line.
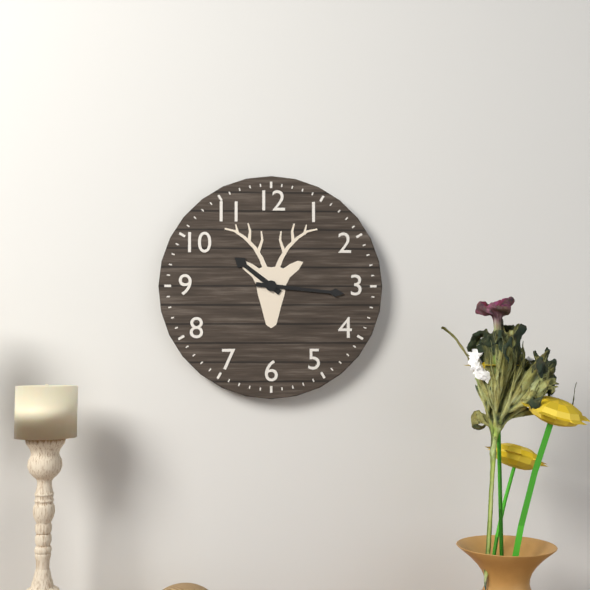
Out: **10:16**
